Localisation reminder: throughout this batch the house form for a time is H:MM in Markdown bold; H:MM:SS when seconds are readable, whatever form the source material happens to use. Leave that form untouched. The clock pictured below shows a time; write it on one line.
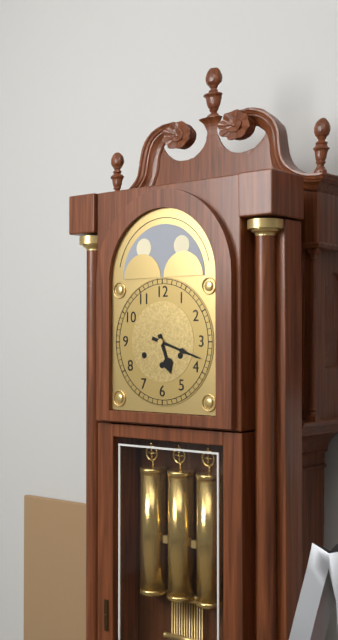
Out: **5:18**
